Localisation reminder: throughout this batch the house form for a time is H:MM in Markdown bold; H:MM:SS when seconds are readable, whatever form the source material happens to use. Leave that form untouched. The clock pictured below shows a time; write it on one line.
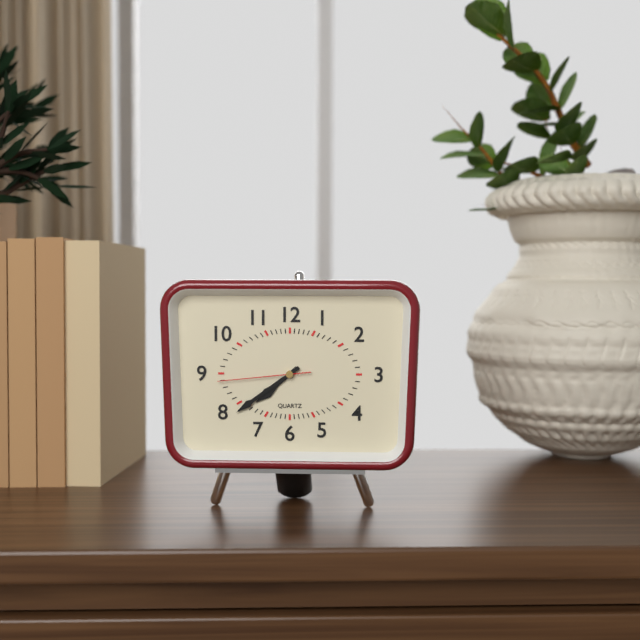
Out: **7:39:44**
